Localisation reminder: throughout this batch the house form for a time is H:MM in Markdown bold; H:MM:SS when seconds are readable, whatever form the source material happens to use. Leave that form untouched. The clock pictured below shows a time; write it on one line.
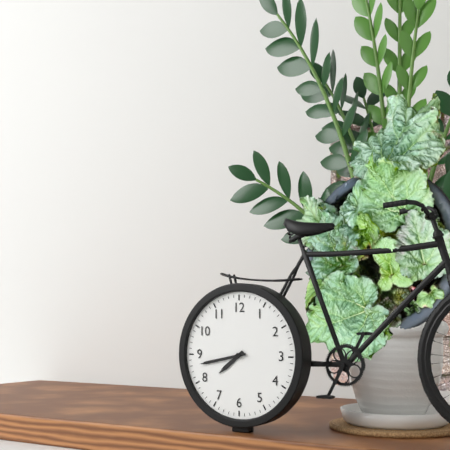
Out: **7:43**
